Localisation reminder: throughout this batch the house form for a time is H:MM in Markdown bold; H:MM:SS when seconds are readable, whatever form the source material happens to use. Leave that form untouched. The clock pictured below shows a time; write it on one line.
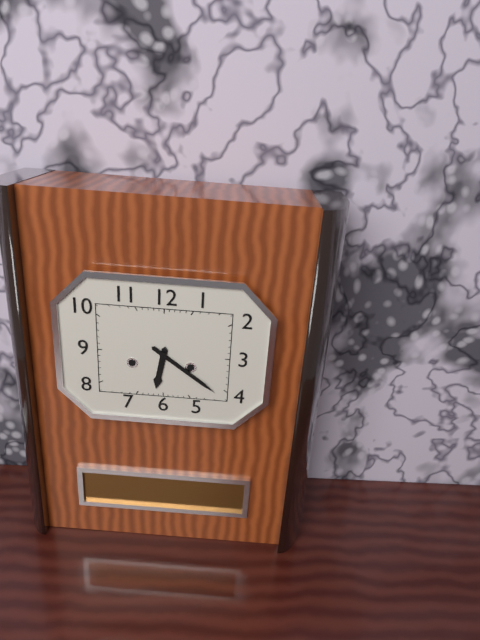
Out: **6:21**
